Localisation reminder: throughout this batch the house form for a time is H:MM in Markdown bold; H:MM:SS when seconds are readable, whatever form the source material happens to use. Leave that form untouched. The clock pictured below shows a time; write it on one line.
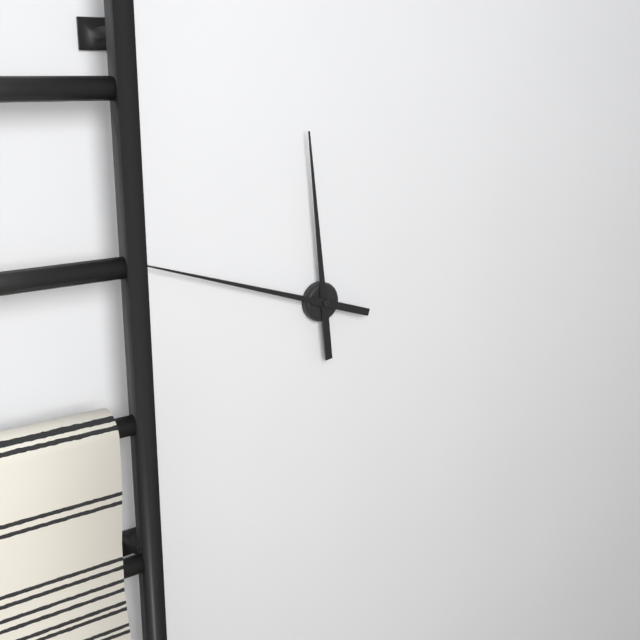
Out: **11:48**
